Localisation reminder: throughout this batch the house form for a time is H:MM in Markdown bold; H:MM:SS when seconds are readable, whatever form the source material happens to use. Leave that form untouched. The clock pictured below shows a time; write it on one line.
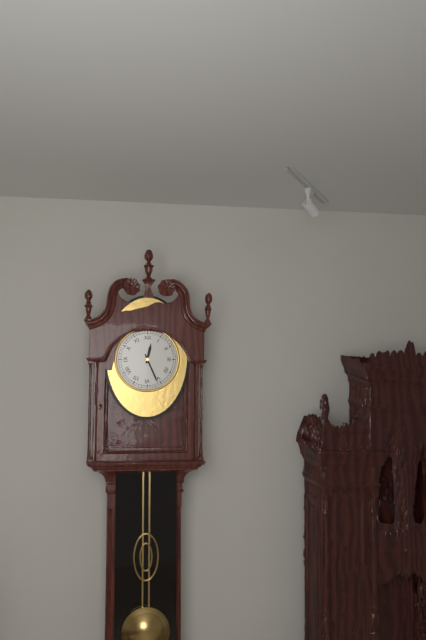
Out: **12:26**
